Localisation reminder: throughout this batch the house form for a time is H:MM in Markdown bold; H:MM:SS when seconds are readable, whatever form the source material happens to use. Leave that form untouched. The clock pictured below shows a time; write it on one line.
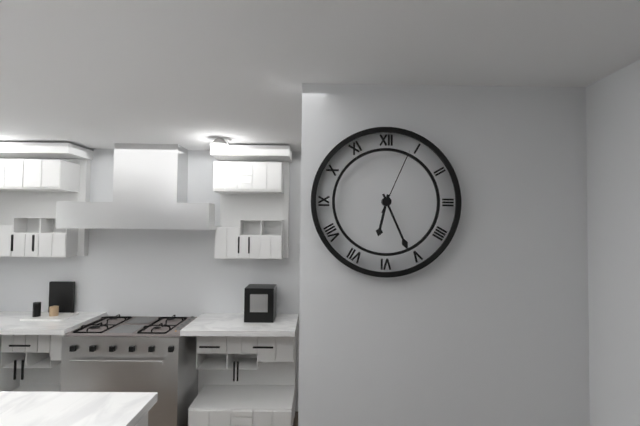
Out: **6:26:04**
